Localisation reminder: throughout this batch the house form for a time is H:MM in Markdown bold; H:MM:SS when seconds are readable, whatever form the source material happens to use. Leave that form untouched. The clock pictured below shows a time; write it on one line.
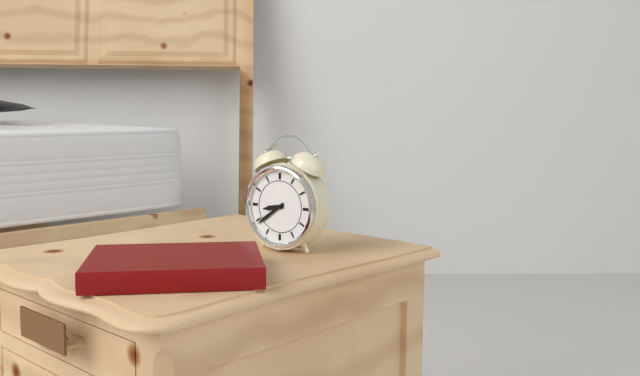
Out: **8:39**
